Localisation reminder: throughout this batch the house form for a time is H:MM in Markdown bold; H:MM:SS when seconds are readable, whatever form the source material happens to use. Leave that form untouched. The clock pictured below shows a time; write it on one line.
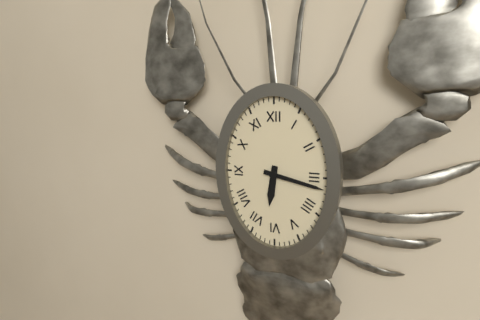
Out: **6:17**
